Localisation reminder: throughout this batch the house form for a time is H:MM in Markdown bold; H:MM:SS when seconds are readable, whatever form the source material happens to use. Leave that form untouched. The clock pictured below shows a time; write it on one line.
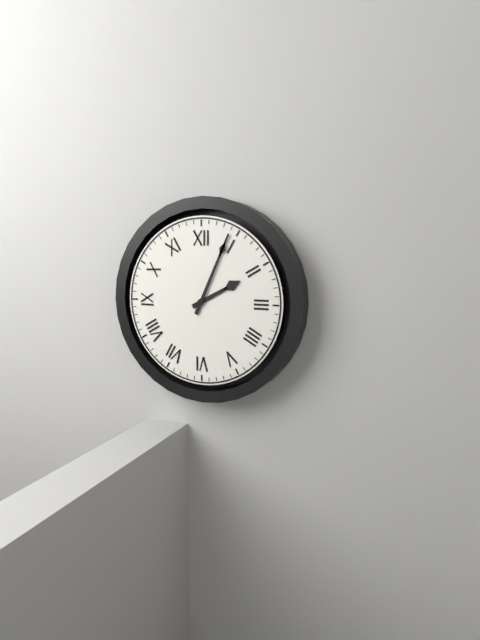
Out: **2:04**
